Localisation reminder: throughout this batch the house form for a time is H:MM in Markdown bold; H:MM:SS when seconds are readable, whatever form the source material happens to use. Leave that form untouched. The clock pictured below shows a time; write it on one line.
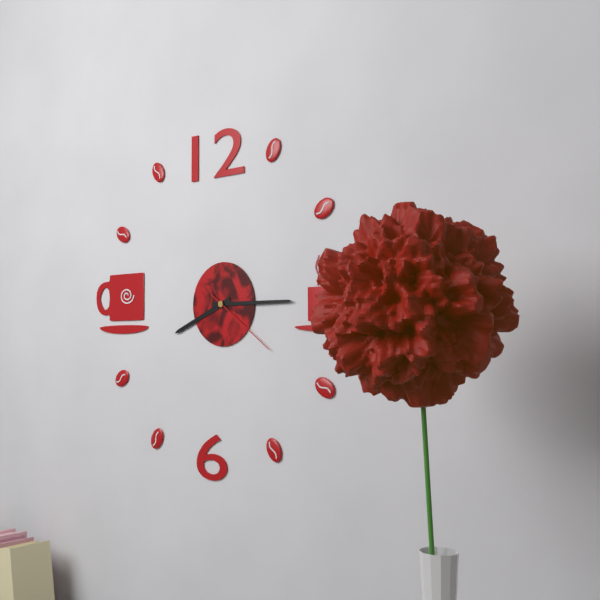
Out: **8:15:21**
